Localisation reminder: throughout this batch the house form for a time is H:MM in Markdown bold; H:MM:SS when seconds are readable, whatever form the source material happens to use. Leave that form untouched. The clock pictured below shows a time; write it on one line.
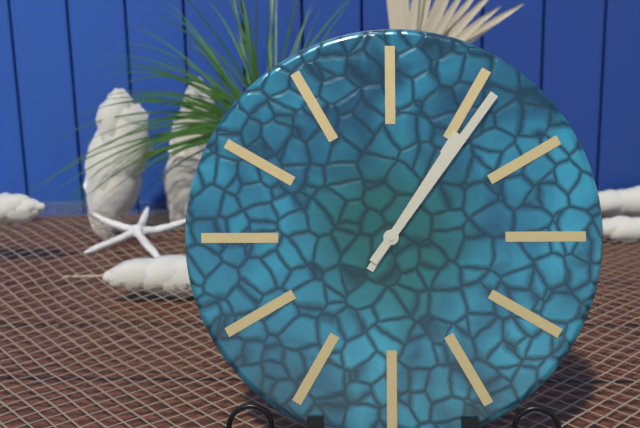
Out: **1:06**
